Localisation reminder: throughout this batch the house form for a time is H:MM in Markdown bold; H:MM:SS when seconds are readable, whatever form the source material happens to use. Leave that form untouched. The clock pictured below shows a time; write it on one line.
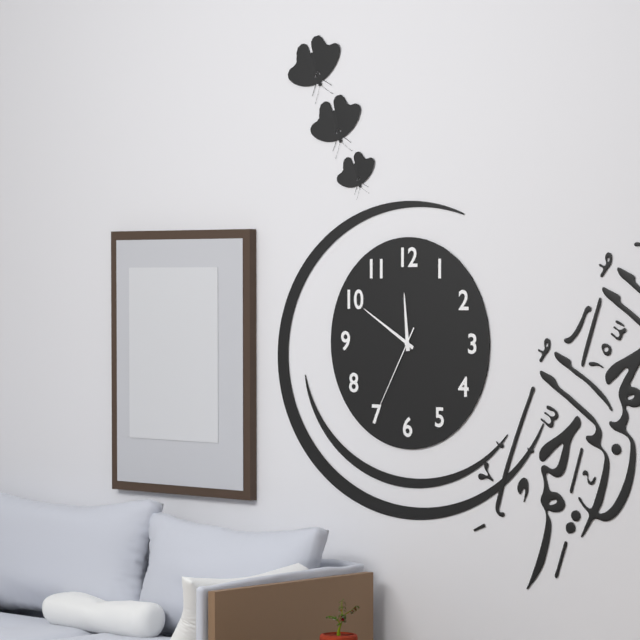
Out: **11:50:35**
